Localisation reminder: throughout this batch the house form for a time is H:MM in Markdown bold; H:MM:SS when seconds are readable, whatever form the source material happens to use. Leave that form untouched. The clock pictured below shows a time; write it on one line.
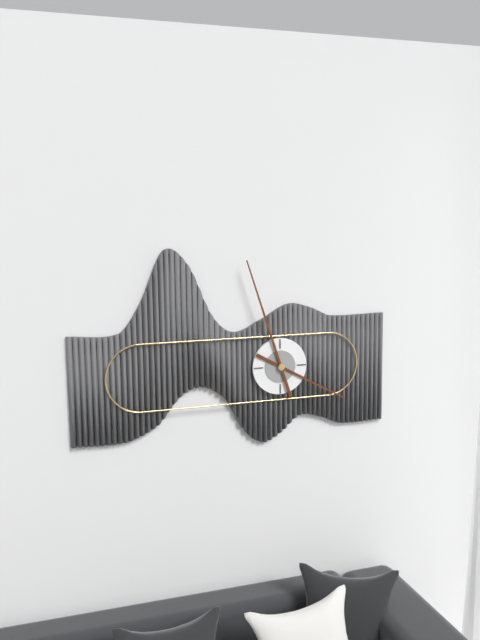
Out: **3:57**
